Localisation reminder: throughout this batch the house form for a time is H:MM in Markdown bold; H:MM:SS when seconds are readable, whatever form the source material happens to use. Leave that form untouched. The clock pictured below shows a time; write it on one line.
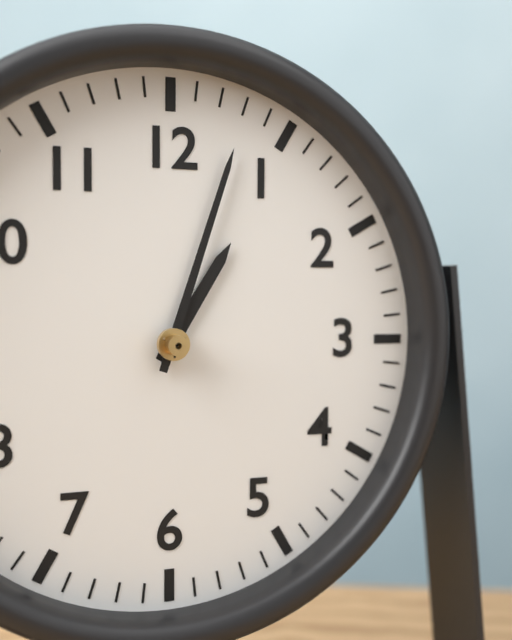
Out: **1:03**
